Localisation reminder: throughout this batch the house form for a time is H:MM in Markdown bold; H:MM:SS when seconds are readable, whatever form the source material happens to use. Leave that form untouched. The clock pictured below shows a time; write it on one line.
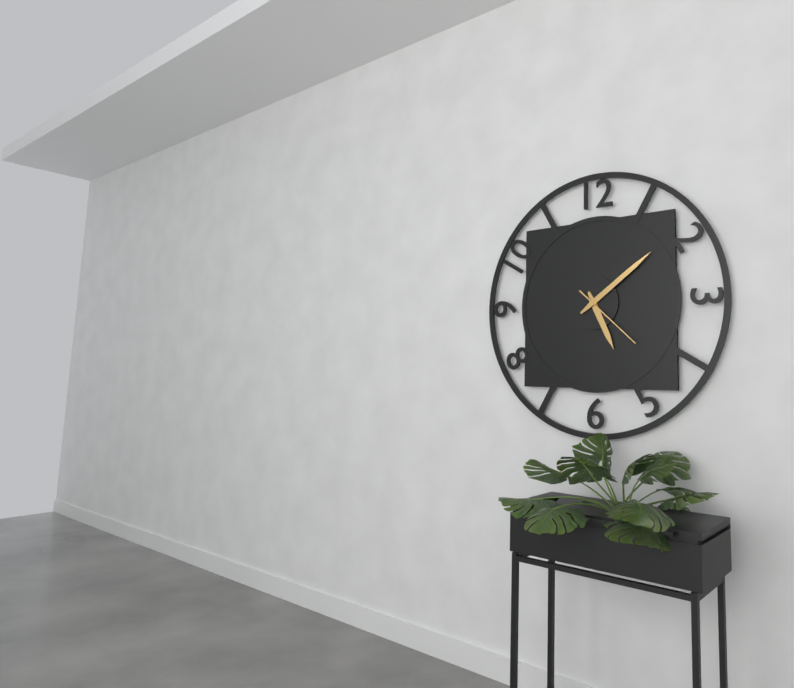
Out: **5:09:22**
